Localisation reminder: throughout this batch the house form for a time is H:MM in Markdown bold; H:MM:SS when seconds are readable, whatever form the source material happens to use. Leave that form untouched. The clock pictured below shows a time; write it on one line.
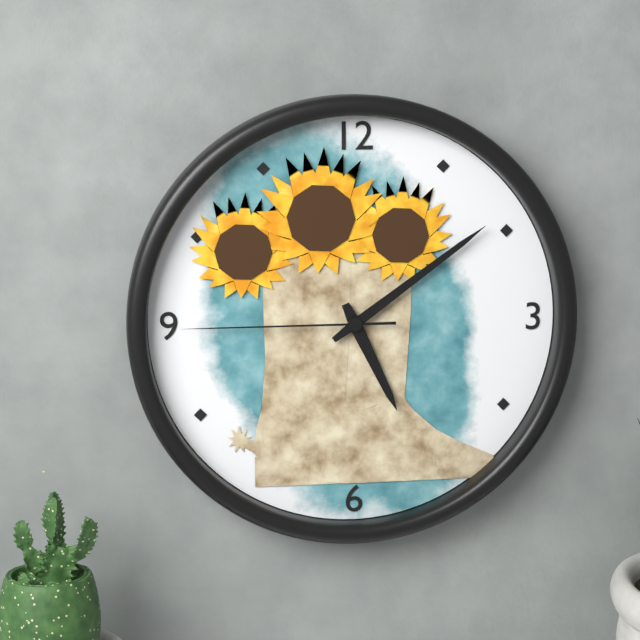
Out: **5:09:45**
